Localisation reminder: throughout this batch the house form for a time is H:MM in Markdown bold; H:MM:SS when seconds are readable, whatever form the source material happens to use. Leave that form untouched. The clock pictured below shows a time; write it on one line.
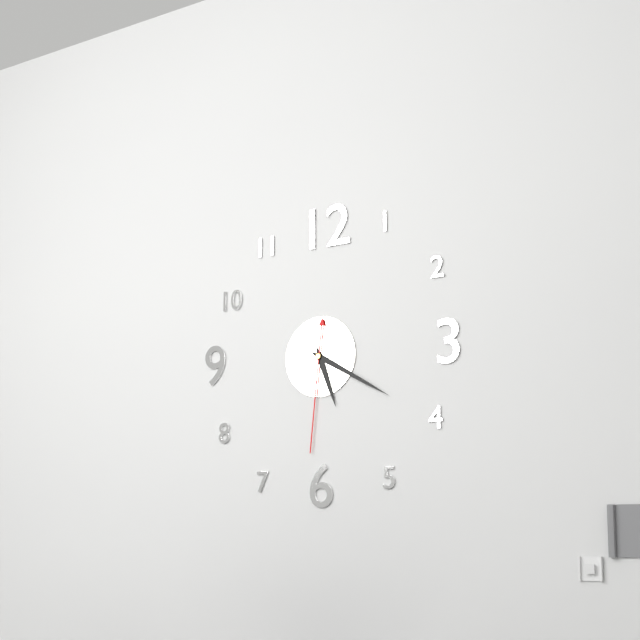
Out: **5:20:31**
